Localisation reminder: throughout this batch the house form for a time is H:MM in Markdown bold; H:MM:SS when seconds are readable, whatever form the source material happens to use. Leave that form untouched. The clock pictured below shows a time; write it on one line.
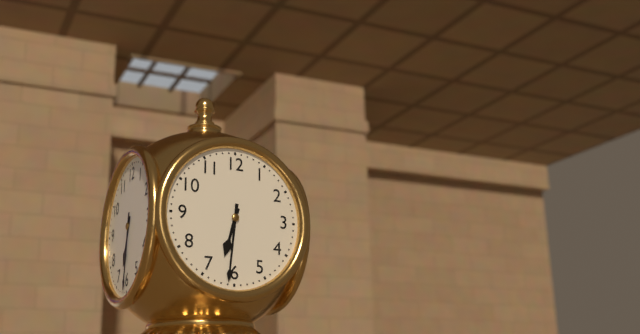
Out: **6:31**
